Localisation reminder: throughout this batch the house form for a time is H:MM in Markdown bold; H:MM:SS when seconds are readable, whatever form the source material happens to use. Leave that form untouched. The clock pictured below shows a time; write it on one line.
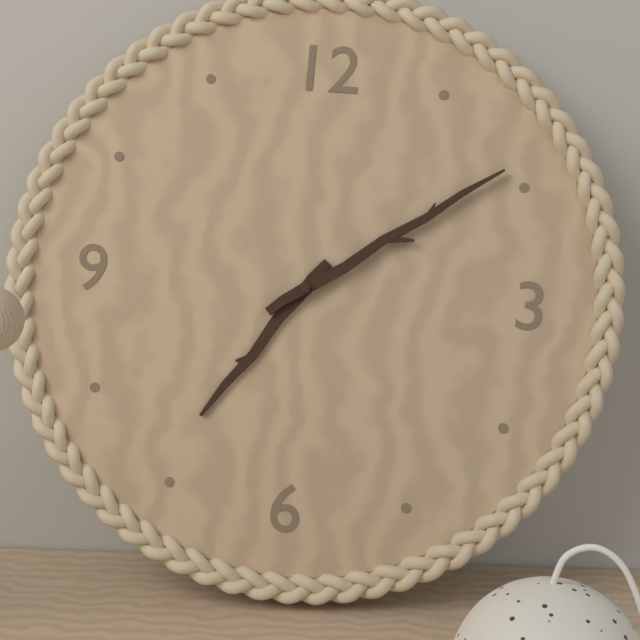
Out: **7:09**
